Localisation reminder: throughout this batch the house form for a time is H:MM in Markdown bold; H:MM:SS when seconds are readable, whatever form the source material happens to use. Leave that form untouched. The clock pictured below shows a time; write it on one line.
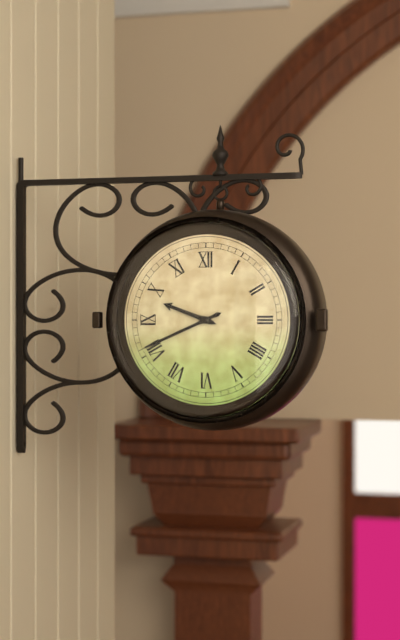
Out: **9:41**
